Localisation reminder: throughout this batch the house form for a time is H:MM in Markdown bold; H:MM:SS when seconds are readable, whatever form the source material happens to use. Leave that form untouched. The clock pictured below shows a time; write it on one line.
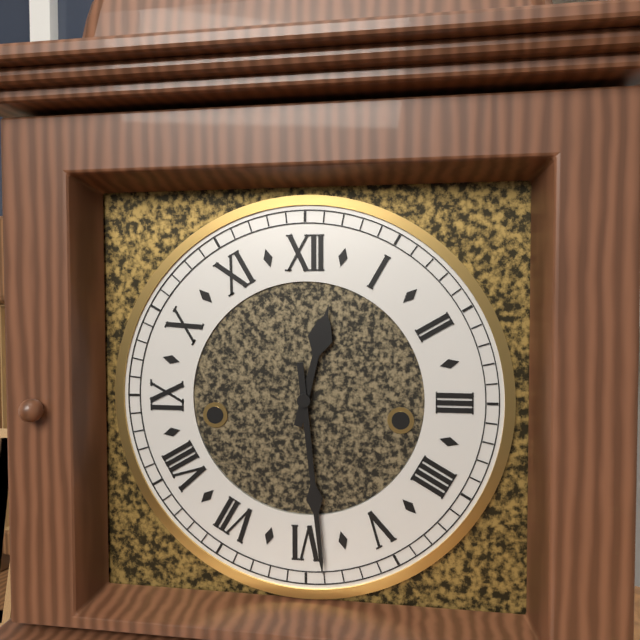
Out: **12:29**
